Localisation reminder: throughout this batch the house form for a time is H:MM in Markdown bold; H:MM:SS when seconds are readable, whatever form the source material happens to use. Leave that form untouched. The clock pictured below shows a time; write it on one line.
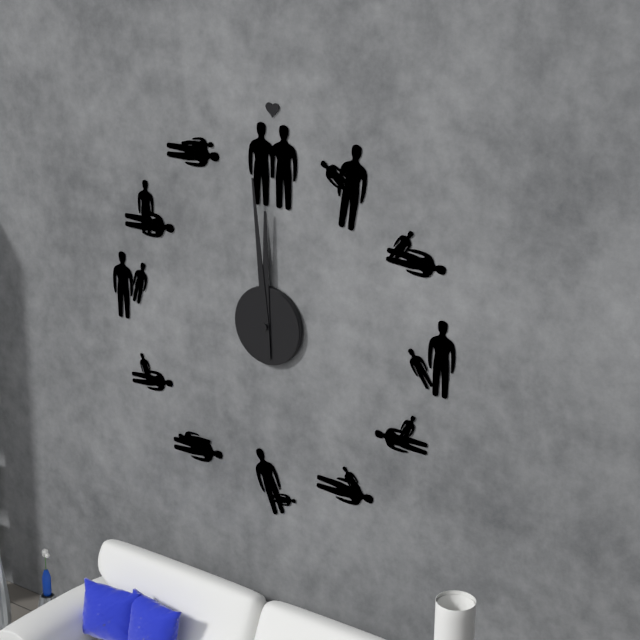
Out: **11:59**
